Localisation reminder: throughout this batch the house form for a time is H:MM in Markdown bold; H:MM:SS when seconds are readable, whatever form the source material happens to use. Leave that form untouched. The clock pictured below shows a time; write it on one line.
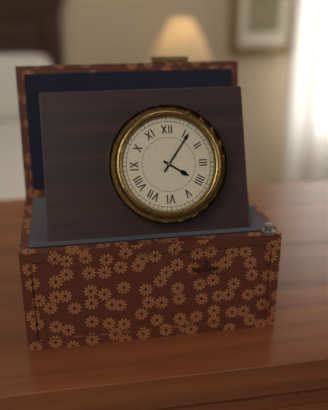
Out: **4:06**
